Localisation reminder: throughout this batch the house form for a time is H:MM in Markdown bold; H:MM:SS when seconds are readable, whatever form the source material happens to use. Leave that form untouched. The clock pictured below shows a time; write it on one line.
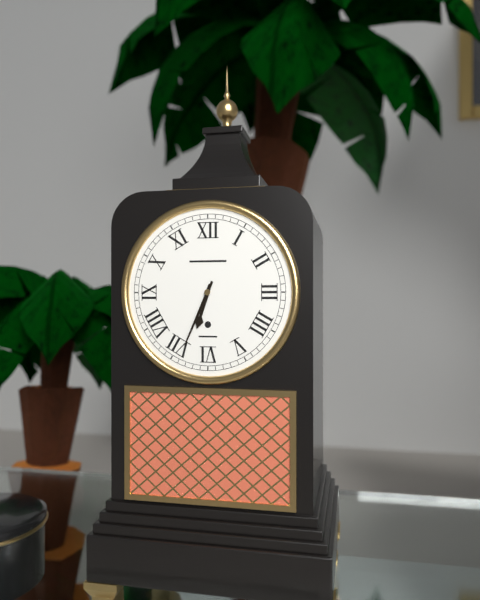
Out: **6:34**
